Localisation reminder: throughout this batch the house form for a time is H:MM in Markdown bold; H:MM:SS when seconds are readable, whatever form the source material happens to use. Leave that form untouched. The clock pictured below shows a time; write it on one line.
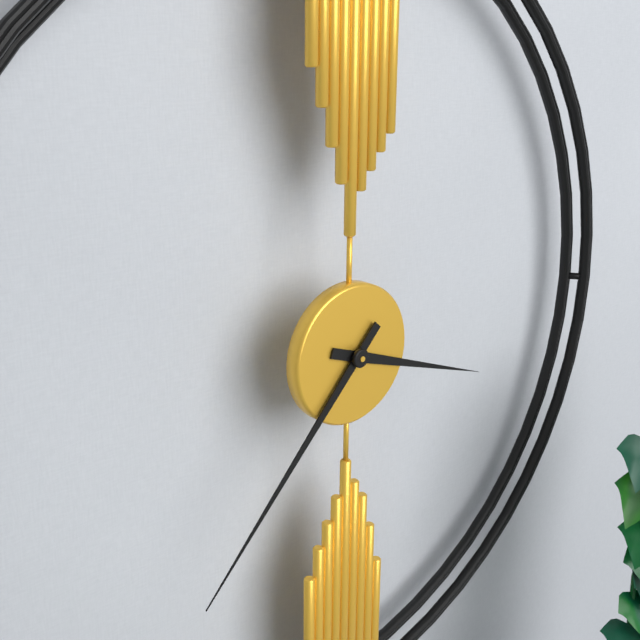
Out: **3:37**
